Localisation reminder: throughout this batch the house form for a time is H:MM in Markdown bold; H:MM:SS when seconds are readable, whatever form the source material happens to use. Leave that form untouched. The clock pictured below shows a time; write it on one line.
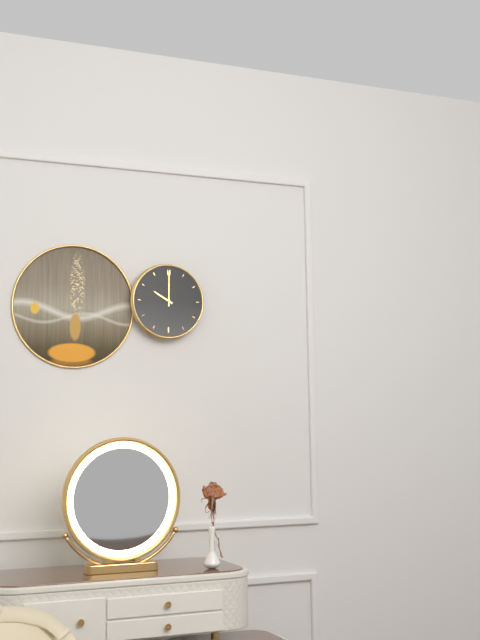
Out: **10:00**
